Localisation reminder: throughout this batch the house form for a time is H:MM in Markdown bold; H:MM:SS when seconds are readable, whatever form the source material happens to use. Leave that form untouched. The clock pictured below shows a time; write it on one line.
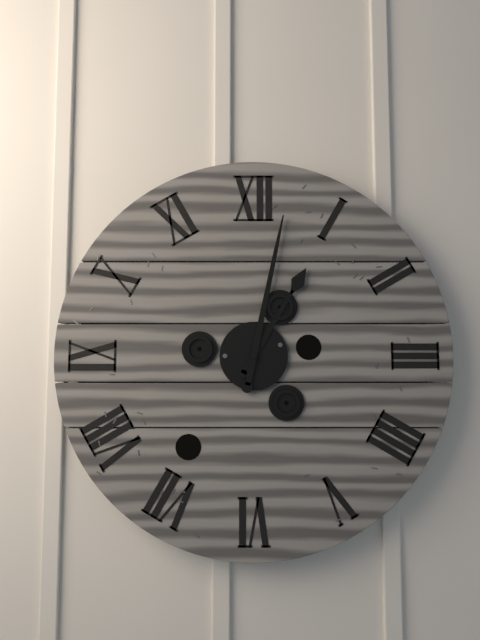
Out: **1:02**
